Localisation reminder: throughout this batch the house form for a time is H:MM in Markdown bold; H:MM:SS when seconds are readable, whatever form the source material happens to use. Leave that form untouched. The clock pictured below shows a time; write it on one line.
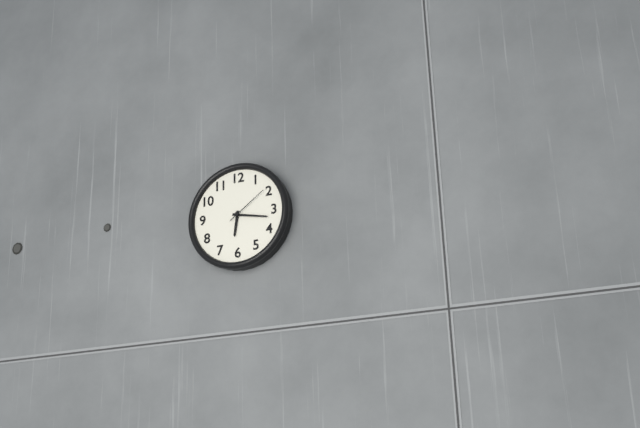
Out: **6:17**
